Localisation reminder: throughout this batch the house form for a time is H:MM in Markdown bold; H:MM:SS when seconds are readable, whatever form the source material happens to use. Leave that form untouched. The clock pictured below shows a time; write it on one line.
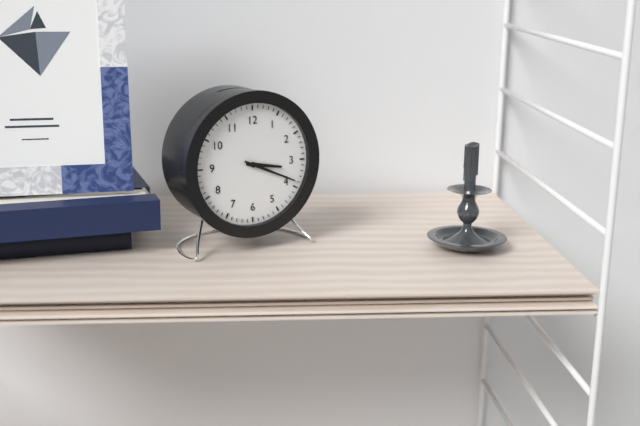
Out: **3:19**
